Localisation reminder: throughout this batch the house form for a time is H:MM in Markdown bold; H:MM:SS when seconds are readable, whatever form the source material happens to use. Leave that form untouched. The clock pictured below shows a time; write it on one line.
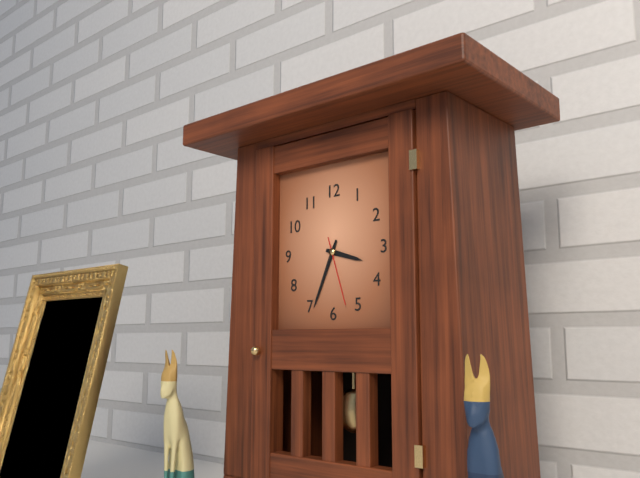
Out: **3:34:27**
